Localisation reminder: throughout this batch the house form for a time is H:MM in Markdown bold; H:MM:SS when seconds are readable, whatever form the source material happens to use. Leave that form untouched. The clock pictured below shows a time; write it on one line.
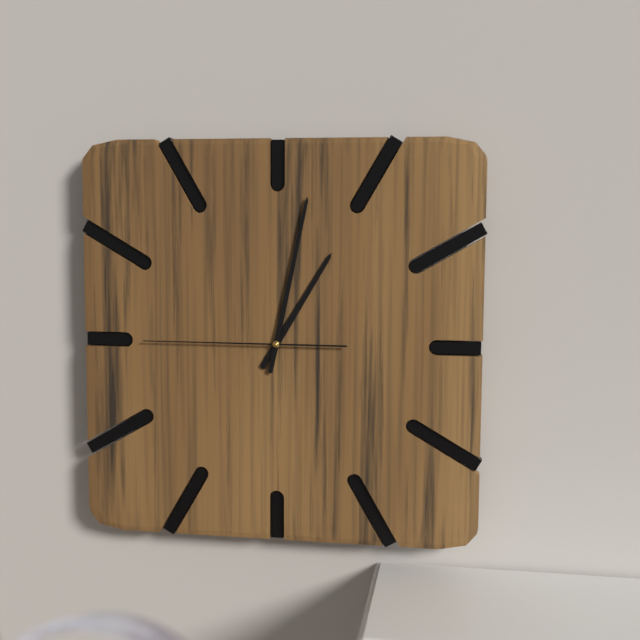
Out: **1:02:45**
